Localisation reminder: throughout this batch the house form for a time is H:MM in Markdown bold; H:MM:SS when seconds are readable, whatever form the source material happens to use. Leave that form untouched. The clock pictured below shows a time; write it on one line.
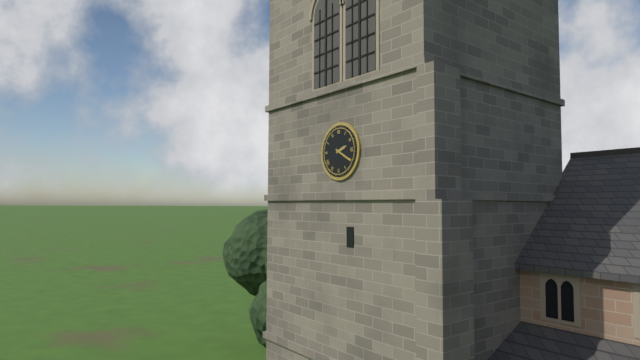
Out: **2:20**
